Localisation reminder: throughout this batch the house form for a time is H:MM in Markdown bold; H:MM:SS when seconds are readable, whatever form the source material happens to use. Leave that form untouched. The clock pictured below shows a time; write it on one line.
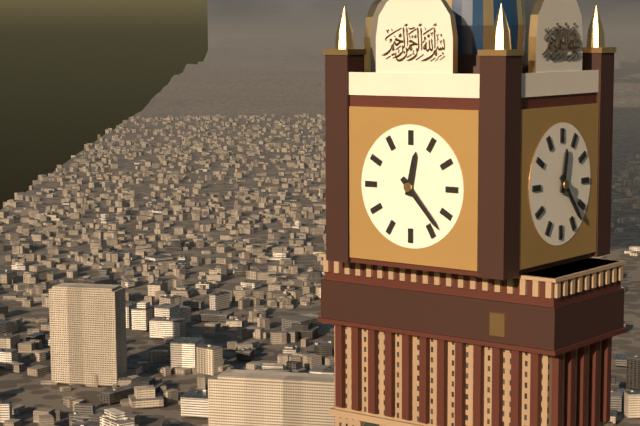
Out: **12:23**
